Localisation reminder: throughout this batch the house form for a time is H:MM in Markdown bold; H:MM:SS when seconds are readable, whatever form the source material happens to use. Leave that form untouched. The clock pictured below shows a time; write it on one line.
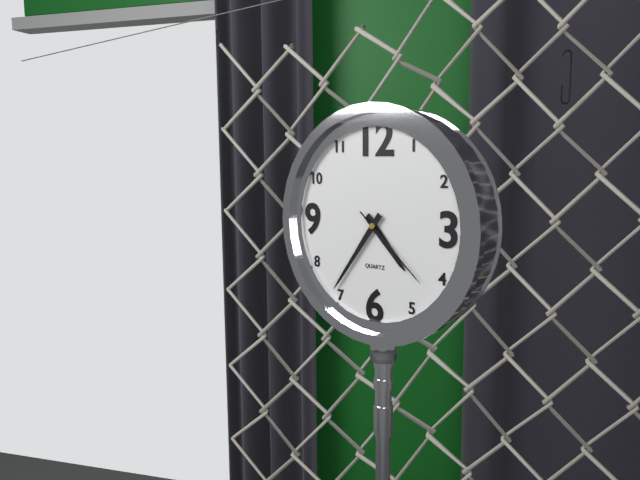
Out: **4:36:22**
